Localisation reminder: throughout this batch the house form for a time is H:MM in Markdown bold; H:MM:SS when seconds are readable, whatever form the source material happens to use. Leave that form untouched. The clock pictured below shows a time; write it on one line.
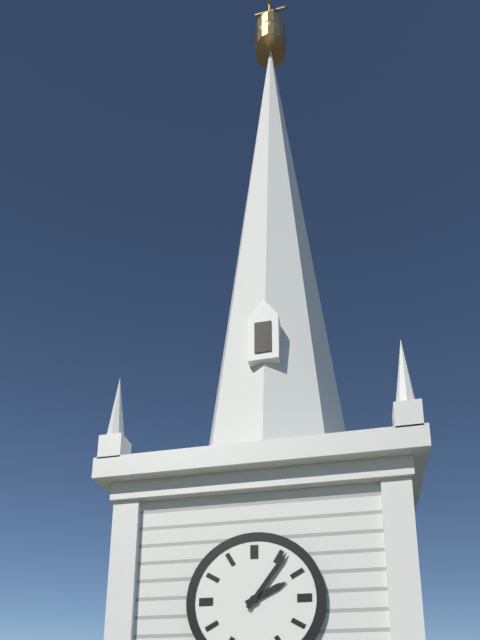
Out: **2:06**
